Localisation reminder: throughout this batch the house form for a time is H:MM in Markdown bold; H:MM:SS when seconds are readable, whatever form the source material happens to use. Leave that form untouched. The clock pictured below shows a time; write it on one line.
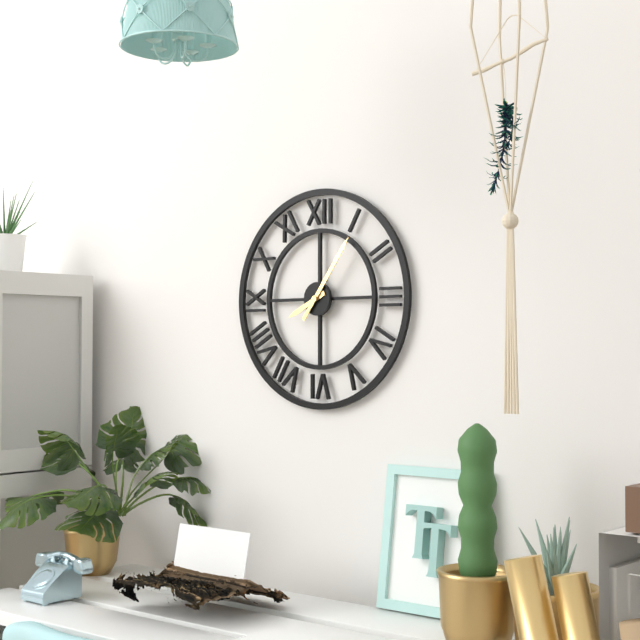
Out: **8:06**
